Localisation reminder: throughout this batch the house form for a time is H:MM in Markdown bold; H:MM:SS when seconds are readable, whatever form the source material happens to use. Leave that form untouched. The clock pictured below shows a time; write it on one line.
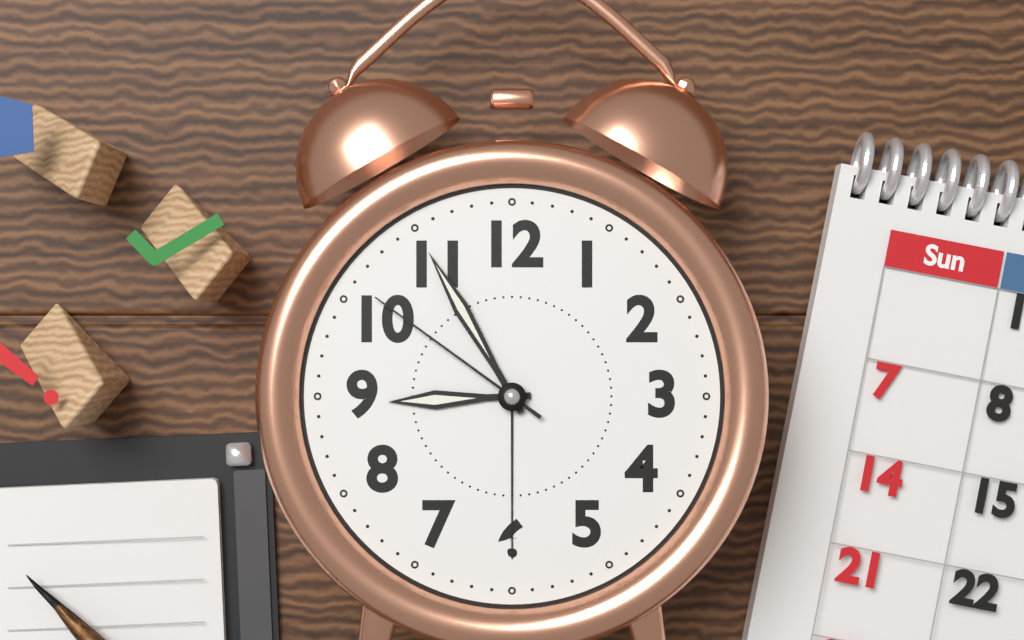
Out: **8:55:51**
